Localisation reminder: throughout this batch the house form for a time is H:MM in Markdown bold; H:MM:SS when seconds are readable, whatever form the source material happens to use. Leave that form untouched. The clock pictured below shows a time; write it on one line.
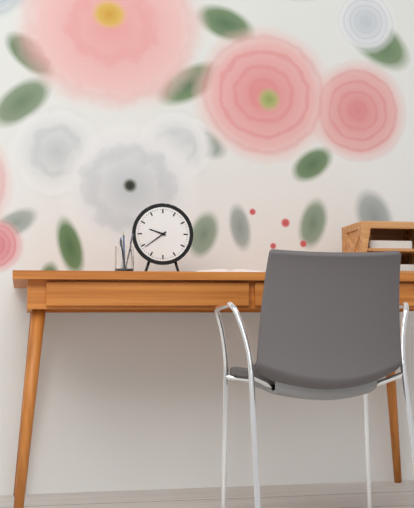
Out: **9:39**
